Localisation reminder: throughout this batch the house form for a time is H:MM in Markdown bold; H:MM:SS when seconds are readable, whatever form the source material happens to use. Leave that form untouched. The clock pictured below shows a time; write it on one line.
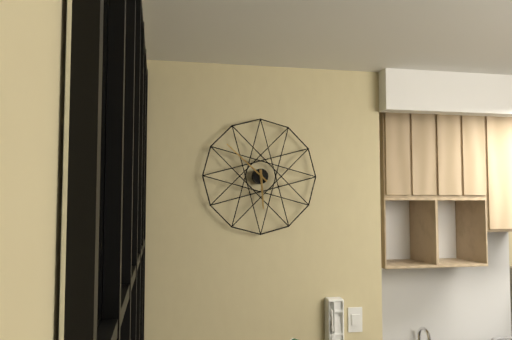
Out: **5:52**
